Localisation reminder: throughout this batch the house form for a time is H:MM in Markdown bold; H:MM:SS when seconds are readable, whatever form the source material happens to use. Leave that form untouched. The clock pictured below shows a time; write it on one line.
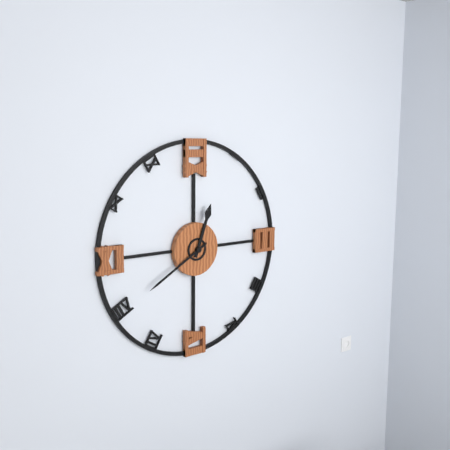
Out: **12:40**
